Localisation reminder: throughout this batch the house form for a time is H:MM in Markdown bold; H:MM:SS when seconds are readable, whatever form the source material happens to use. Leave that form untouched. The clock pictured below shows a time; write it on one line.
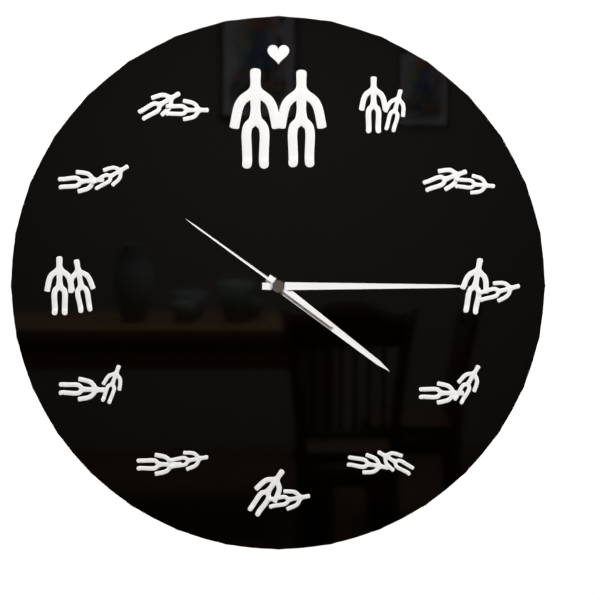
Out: **4:15:51**
